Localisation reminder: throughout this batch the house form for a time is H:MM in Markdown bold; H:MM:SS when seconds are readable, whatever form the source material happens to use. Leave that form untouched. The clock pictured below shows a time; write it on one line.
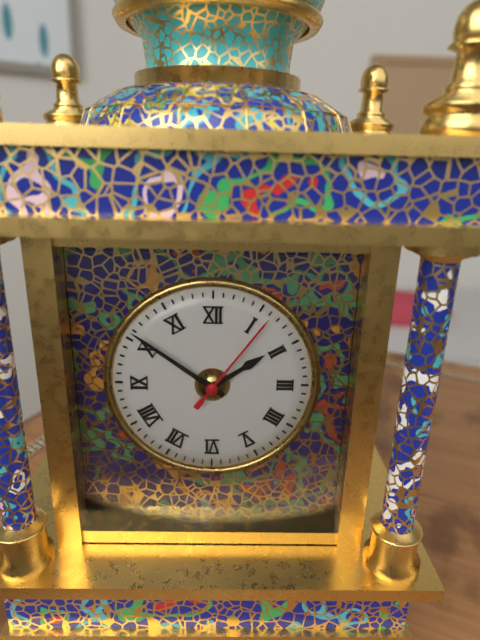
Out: **1:51:06**
